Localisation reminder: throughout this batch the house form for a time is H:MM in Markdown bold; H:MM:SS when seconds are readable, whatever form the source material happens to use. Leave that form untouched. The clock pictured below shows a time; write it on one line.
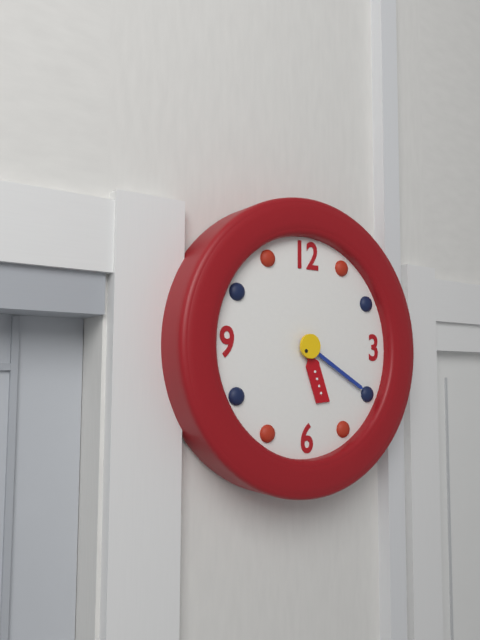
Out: **5:20**
